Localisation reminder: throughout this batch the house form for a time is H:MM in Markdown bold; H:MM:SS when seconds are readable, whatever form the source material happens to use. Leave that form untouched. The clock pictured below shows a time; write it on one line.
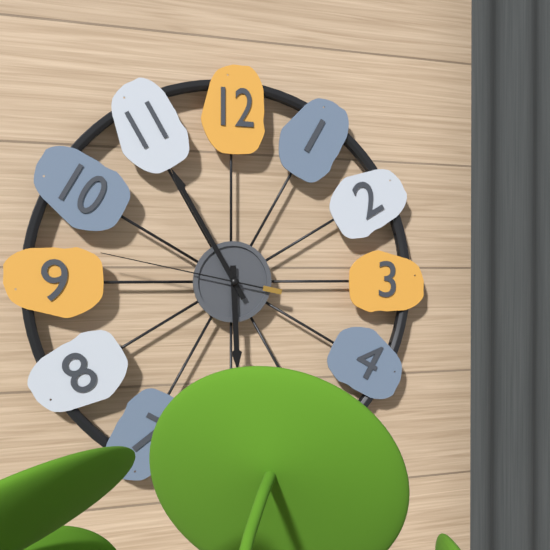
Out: **5:55:47**
